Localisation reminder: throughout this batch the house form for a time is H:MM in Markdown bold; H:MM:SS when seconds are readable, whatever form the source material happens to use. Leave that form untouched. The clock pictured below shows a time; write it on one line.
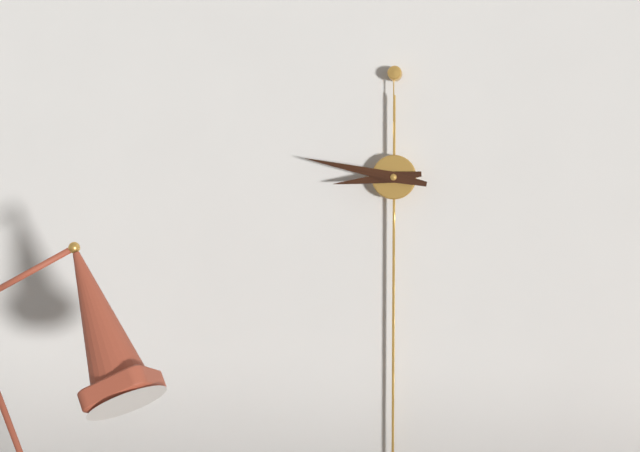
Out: **8:47**
